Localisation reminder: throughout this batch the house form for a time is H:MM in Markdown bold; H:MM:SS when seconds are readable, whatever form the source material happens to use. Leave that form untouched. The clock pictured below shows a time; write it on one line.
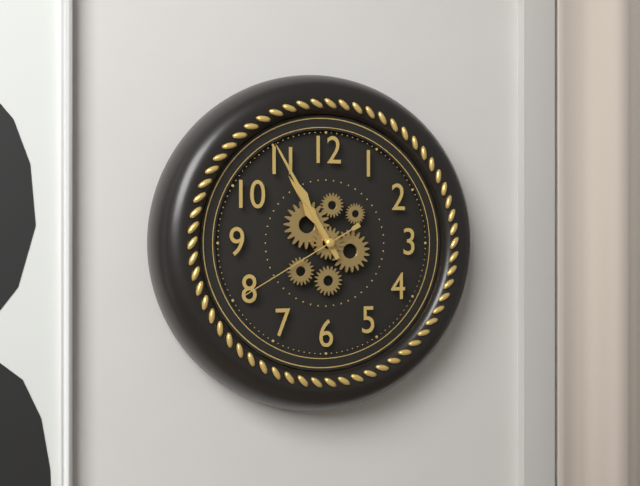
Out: **10:55:40**
